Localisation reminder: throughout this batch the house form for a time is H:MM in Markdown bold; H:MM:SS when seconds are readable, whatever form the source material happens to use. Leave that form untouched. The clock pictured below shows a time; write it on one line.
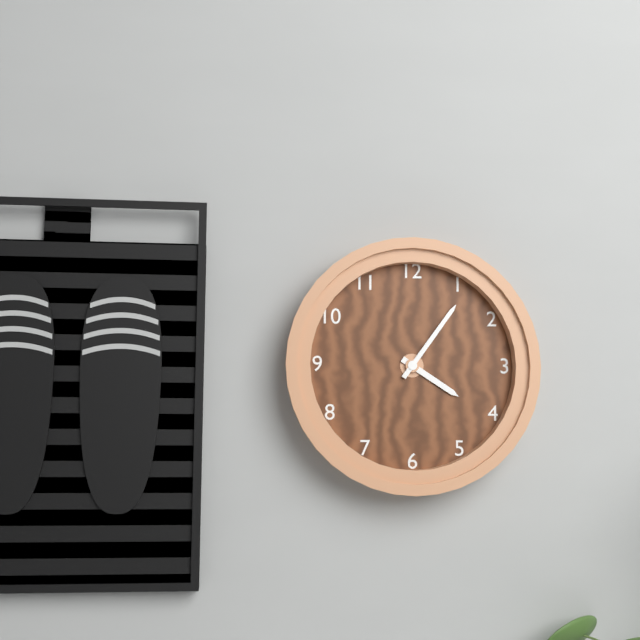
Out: **4:06**
